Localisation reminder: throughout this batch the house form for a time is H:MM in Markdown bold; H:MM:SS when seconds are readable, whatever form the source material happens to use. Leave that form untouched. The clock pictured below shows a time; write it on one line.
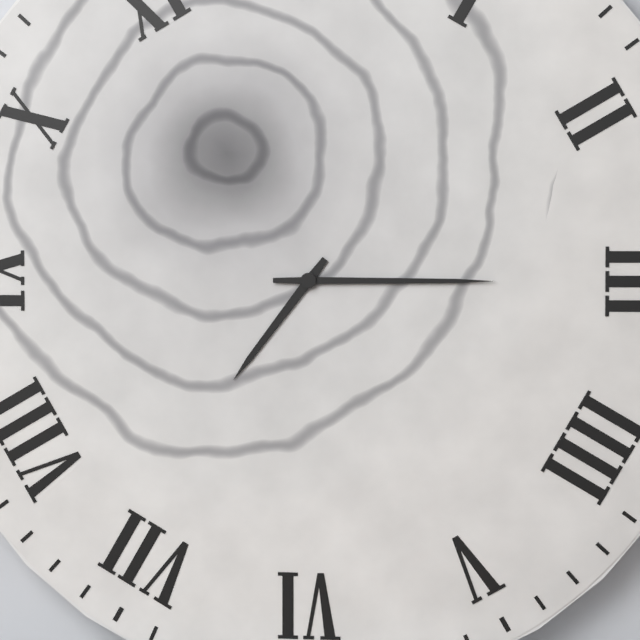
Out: **7:15**
